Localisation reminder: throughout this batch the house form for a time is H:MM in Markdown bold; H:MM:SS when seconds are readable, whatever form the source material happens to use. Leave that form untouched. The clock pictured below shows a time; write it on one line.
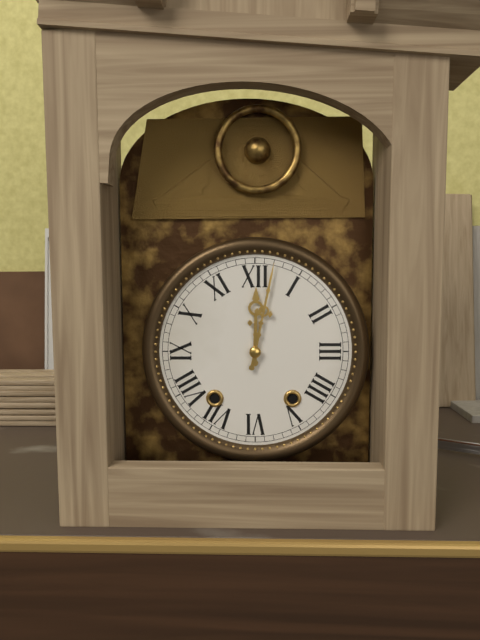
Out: **12:02**
